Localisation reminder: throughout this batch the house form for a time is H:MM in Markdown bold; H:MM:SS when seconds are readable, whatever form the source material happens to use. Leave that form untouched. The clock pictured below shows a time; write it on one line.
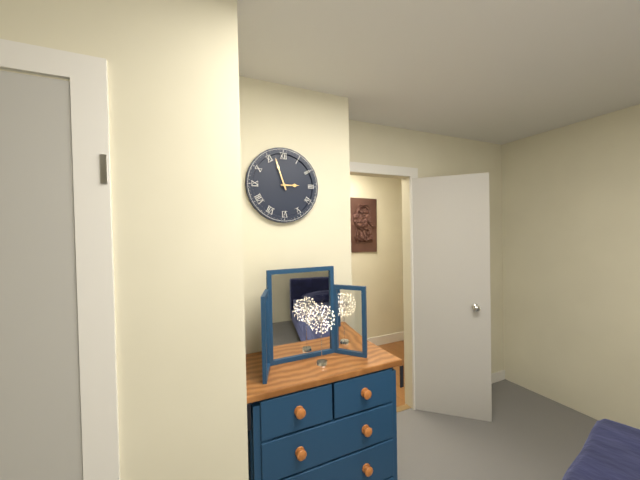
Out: **2:57**
